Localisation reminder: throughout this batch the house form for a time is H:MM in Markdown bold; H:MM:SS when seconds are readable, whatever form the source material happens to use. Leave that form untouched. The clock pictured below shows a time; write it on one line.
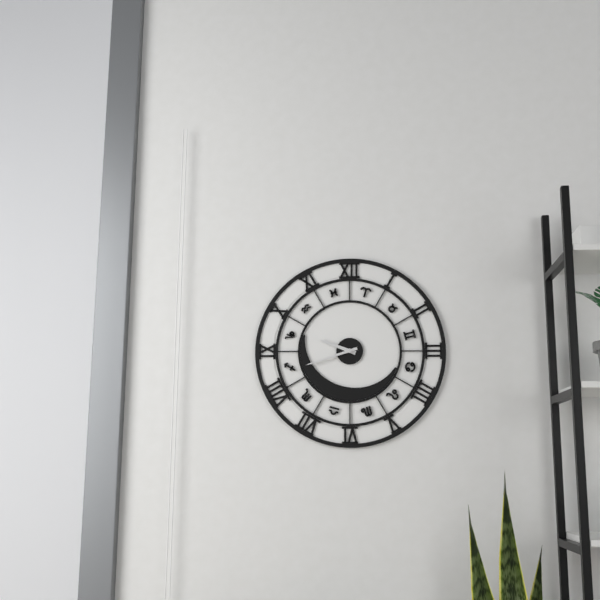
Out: **9:42**
